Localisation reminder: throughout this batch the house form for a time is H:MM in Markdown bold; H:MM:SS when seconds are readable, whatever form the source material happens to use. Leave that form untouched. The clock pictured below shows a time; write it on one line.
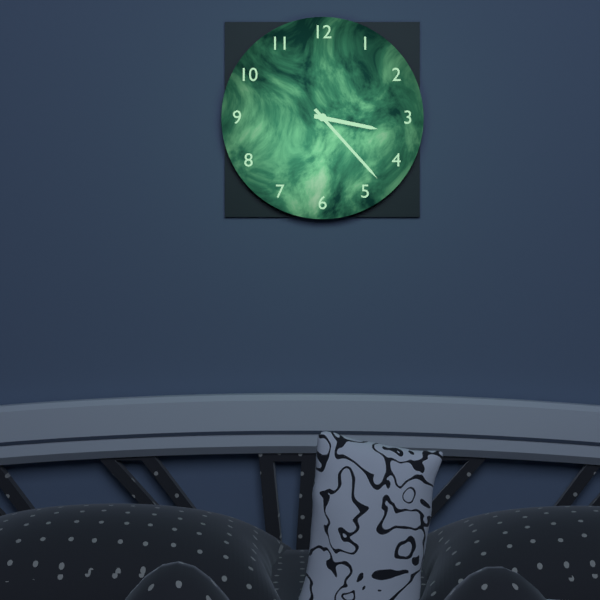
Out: **3:23**
